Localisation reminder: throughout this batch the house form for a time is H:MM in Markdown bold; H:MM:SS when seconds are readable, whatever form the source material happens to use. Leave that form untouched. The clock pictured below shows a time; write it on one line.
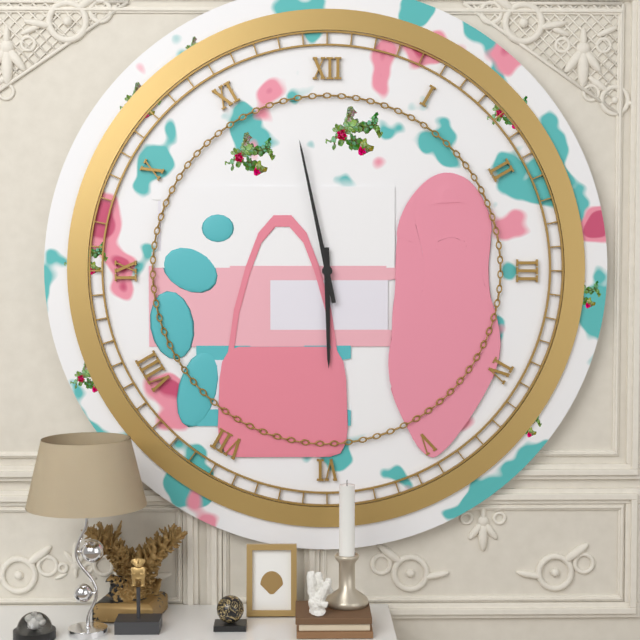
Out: **5:58**
